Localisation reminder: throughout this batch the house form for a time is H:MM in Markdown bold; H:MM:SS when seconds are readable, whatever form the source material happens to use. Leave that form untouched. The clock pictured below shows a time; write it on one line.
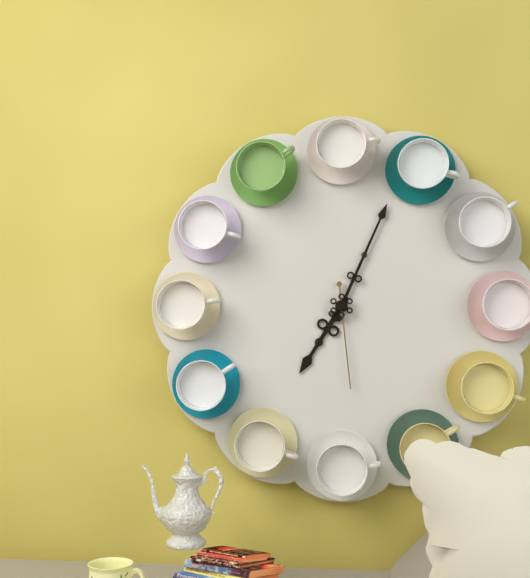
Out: **7:04:29**
